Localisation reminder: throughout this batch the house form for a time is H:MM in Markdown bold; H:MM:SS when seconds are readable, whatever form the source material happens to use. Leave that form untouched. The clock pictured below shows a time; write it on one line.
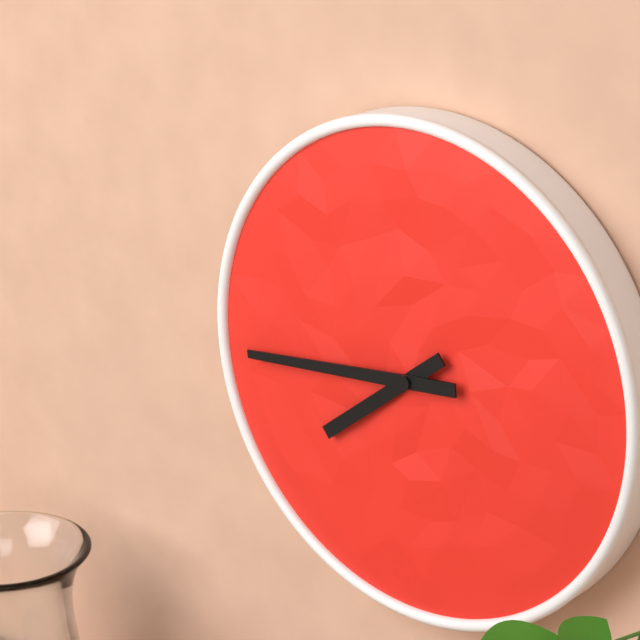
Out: **7:44**
